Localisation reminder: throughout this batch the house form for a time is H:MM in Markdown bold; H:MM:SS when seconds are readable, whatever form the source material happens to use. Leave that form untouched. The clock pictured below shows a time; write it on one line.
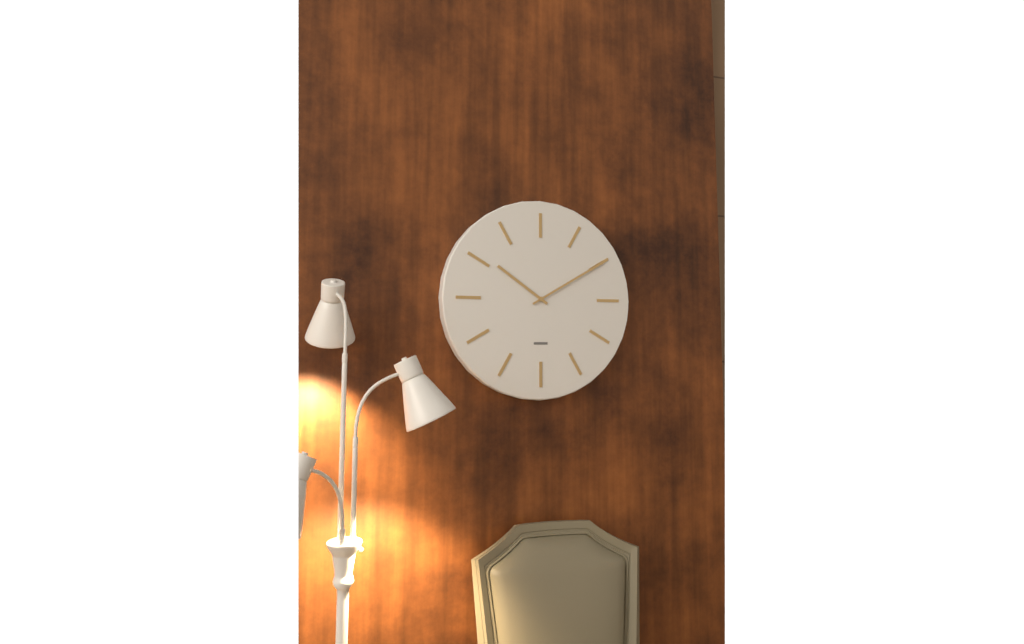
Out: **10:10**
